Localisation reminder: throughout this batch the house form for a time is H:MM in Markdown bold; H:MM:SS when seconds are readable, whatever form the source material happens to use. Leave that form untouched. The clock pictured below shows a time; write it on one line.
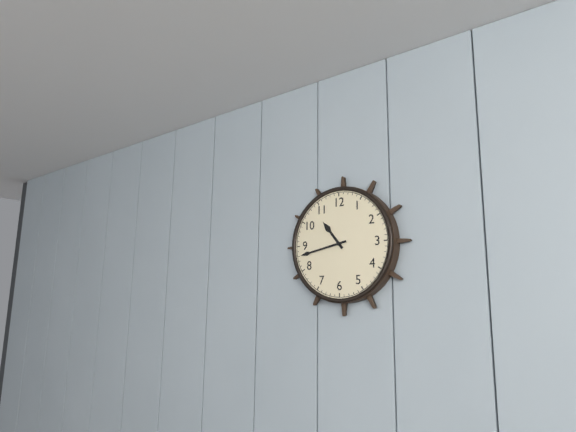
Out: **10:43**
